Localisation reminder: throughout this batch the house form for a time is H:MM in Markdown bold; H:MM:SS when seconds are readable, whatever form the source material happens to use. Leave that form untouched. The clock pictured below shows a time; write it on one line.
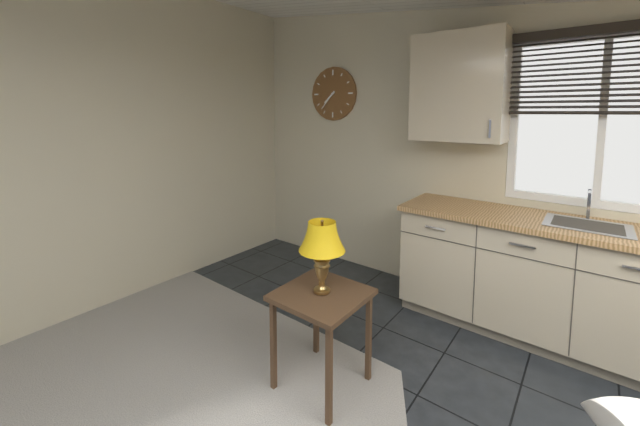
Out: **7:37**
